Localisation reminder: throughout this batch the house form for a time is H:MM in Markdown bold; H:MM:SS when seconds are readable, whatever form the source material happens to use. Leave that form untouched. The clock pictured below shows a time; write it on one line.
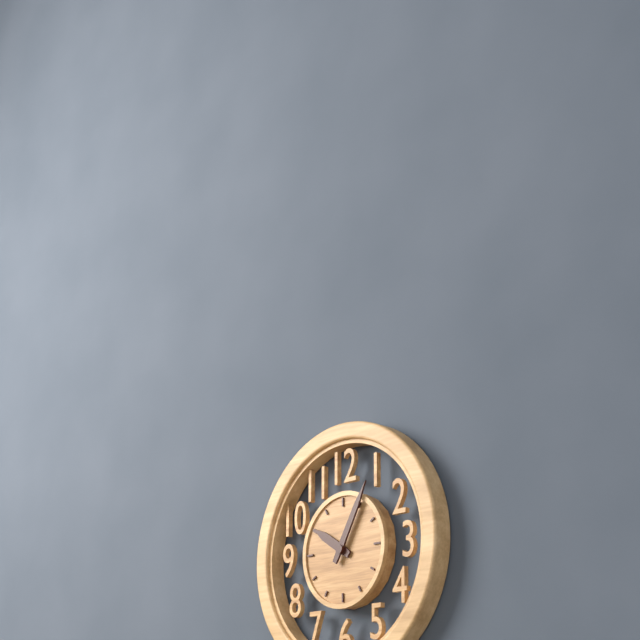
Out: **10:05**
